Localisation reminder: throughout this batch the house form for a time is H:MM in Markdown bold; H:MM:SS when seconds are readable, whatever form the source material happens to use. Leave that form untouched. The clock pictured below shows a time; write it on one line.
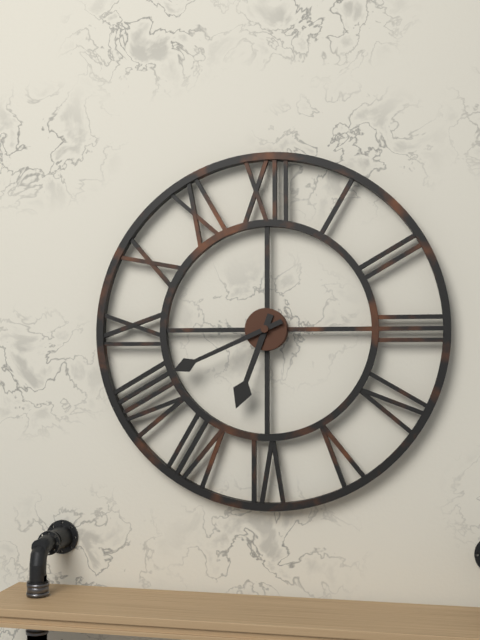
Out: **6:41**
